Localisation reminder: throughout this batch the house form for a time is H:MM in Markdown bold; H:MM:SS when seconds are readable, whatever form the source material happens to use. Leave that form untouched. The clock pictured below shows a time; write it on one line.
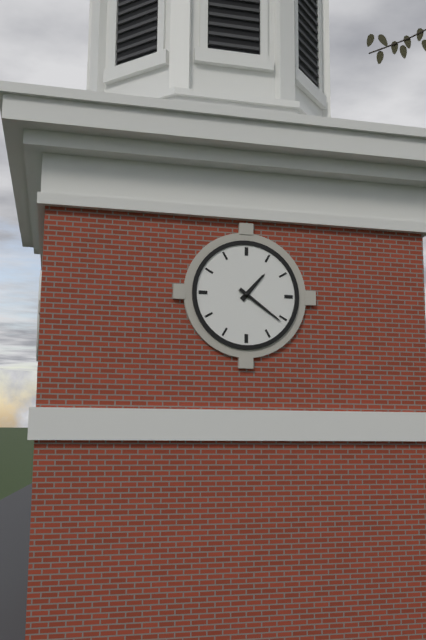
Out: **1:21**
